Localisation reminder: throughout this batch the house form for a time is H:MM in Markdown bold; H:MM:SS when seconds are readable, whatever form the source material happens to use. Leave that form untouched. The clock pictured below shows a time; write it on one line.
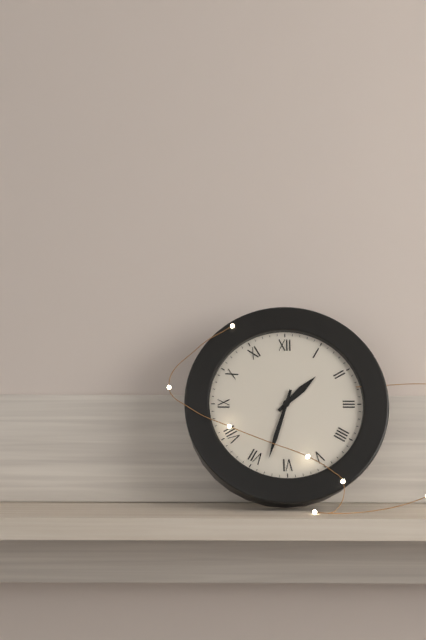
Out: **1:33**
